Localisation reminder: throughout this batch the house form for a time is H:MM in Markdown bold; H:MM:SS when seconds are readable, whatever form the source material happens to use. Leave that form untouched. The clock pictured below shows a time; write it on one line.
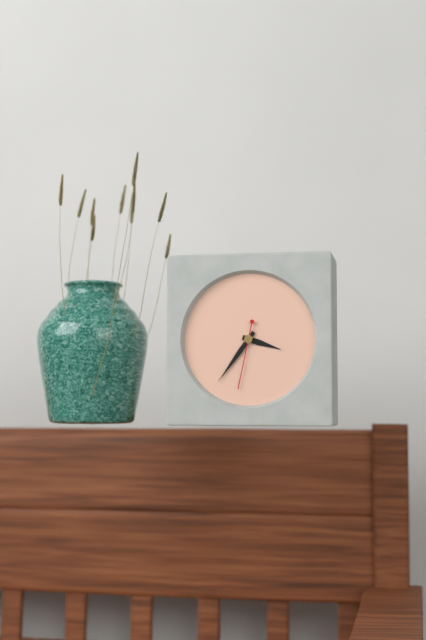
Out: **3:36:32**
